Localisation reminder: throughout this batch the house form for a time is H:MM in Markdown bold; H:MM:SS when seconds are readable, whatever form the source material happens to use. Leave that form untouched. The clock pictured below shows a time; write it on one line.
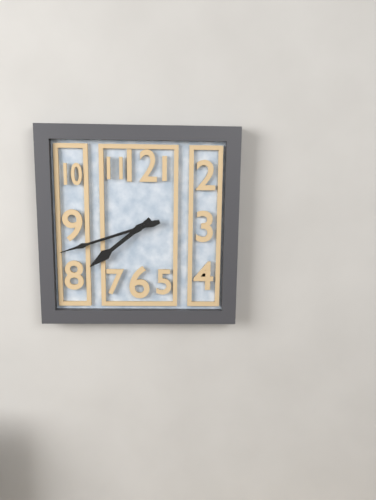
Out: **7:42**
